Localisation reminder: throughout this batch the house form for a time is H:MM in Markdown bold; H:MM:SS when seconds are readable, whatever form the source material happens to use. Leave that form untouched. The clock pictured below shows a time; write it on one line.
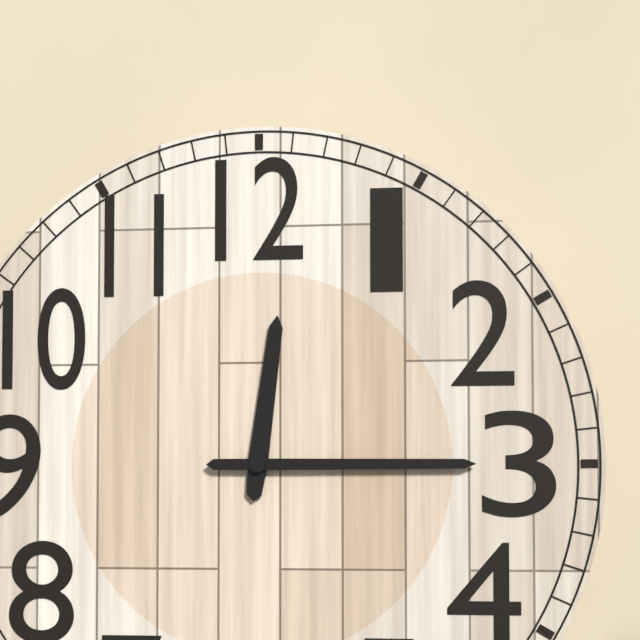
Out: **12:15**
